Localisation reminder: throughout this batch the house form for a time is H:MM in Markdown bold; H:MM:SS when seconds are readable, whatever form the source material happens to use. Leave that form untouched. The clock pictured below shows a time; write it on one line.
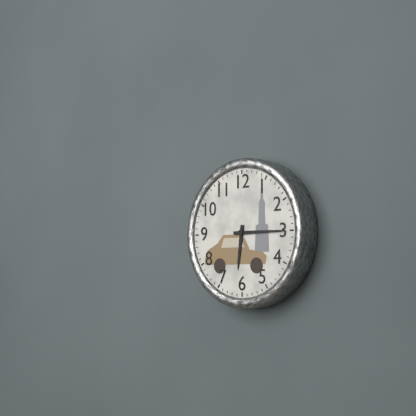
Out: **6:15**
